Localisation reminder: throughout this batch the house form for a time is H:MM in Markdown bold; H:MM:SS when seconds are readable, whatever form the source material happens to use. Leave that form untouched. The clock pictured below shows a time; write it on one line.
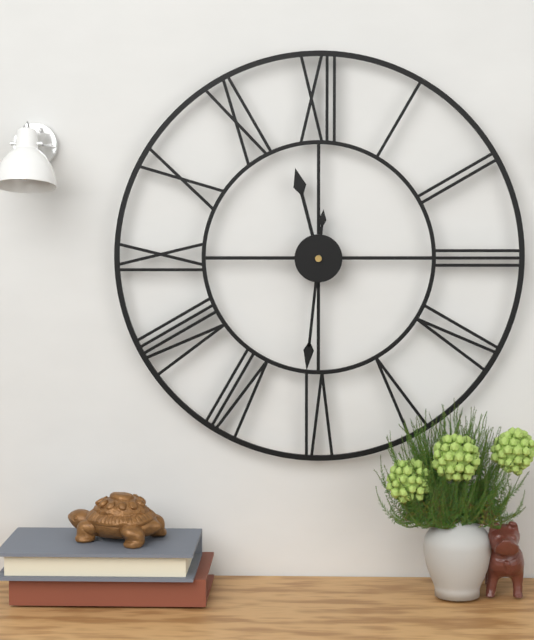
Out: **11:31**
